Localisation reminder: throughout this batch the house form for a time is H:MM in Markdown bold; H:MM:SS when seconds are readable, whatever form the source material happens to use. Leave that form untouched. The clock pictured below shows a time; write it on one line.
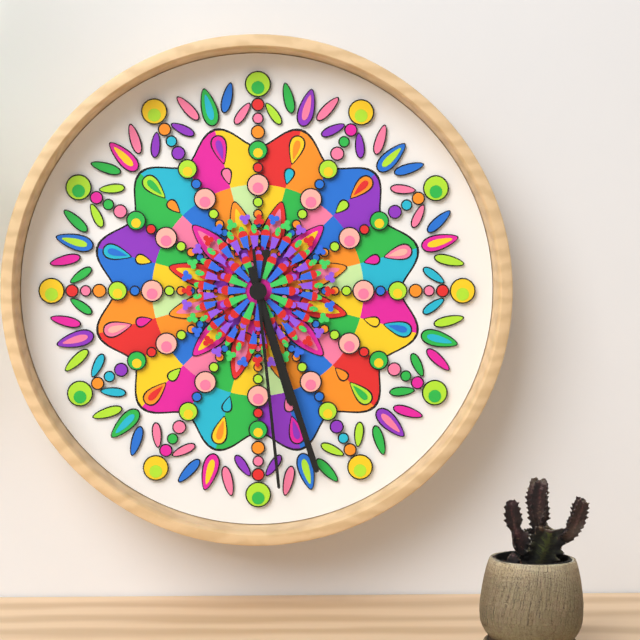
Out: **5:27:29**
